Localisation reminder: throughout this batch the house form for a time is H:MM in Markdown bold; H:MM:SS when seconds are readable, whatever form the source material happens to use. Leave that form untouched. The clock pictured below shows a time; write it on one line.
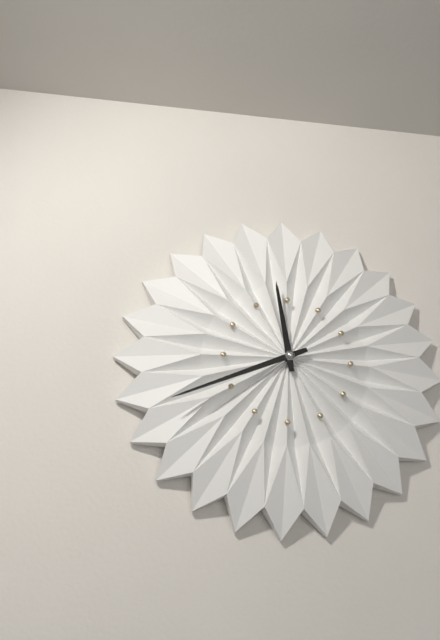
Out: **11:41**
